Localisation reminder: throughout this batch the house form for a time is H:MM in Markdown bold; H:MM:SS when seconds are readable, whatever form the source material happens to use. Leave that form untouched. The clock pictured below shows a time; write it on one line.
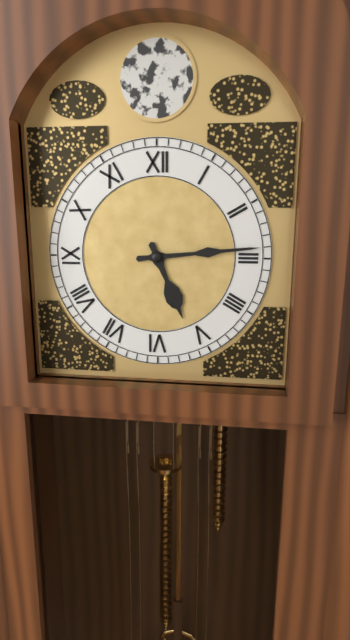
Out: **5:14**
